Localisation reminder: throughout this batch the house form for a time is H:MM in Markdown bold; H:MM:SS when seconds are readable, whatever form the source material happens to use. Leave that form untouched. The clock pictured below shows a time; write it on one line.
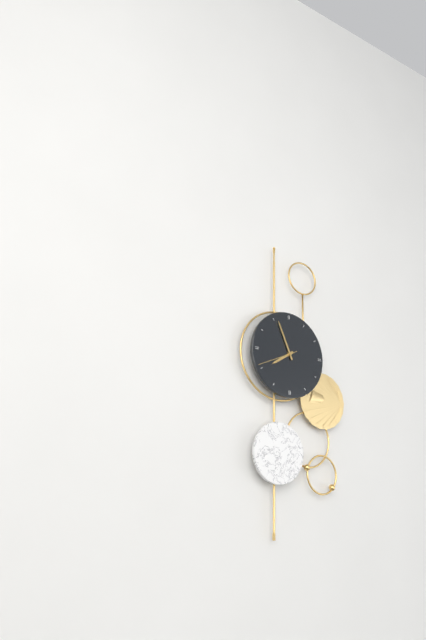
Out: **7:56**
